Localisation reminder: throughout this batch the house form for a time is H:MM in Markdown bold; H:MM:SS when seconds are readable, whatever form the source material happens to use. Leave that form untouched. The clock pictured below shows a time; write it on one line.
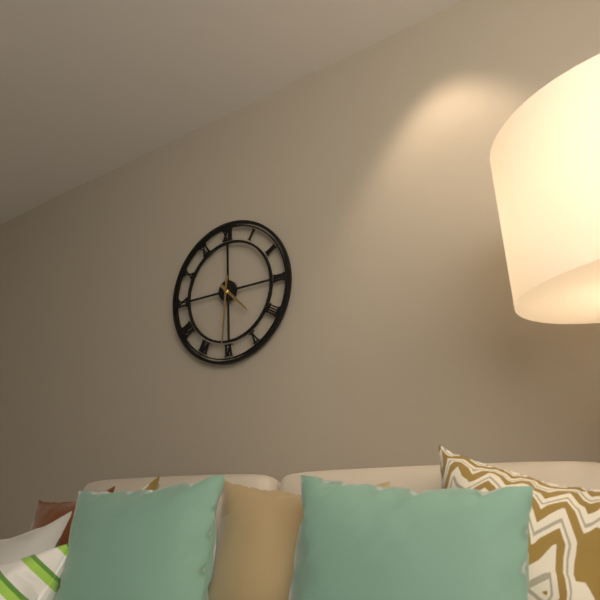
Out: **4:31**
